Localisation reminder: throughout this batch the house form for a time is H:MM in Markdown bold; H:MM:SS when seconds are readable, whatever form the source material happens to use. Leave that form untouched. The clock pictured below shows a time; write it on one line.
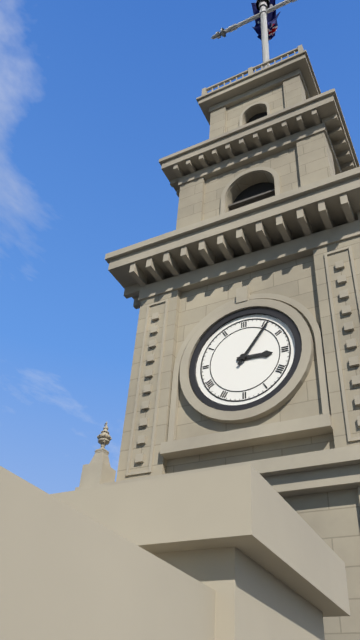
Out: **3:06**
